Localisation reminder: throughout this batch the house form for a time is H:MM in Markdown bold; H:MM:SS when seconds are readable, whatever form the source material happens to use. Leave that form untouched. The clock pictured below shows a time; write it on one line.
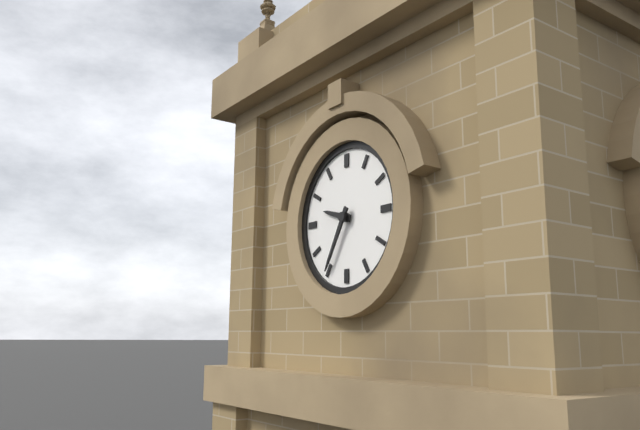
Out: **9:35**
